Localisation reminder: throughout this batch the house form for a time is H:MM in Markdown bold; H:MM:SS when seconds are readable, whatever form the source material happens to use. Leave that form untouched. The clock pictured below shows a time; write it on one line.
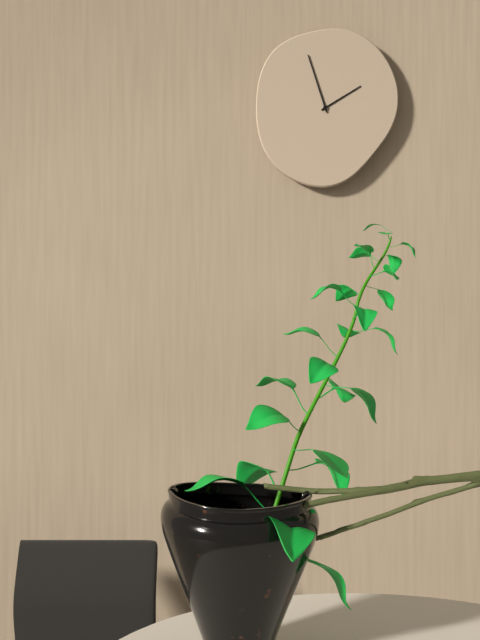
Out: **1:57**
